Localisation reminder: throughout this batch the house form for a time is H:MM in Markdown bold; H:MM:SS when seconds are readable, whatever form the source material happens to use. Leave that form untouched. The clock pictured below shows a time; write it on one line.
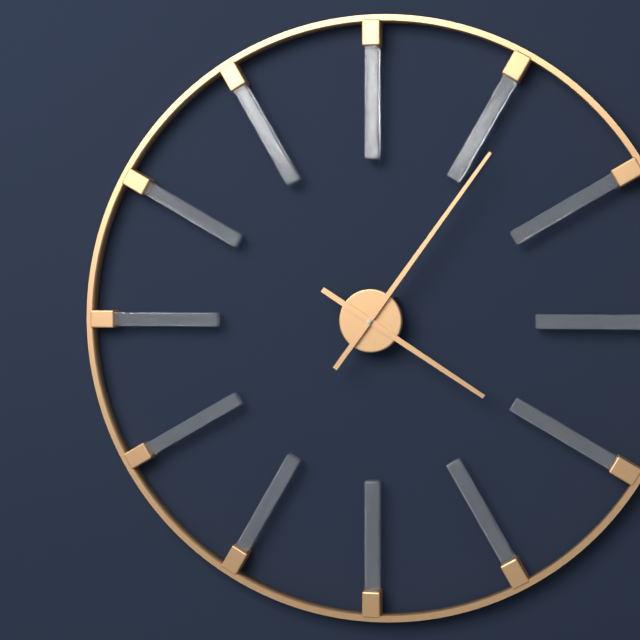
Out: **4:06**
